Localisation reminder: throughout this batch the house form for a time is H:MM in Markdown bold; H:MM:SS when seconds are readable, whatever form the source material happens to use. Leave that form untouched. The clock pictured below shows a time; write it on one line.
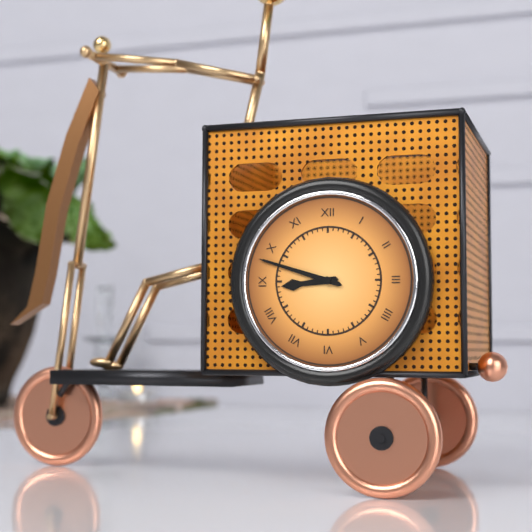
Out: **8:48**
